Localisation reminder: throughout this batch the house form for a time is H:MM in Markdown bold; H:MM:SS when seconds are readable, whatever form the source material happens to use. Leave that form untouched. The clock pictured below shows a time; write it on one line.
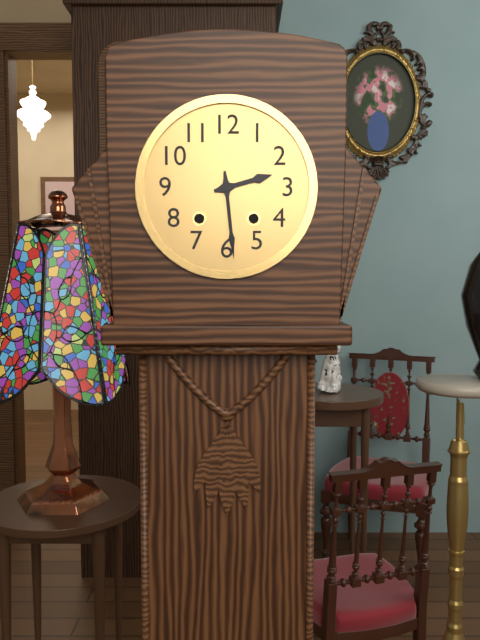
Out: **2:29**
